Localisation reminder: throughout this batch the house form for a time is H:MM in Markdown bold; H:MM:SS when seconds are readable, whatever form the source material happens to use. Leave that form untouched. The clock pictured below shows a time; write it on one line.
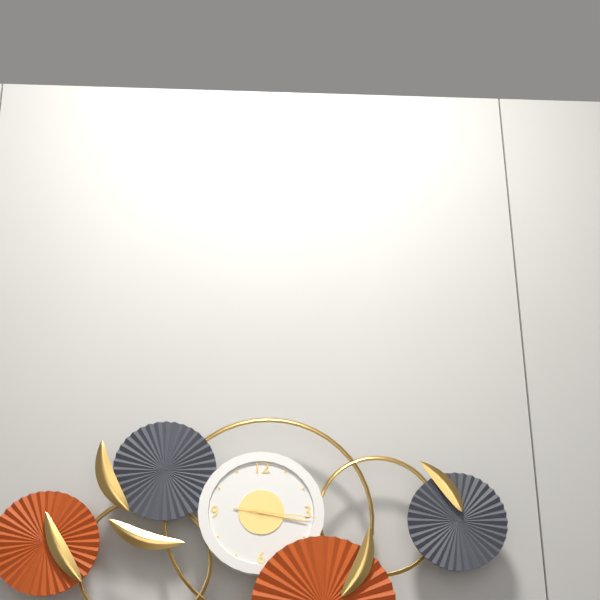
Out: **9:17:16**
